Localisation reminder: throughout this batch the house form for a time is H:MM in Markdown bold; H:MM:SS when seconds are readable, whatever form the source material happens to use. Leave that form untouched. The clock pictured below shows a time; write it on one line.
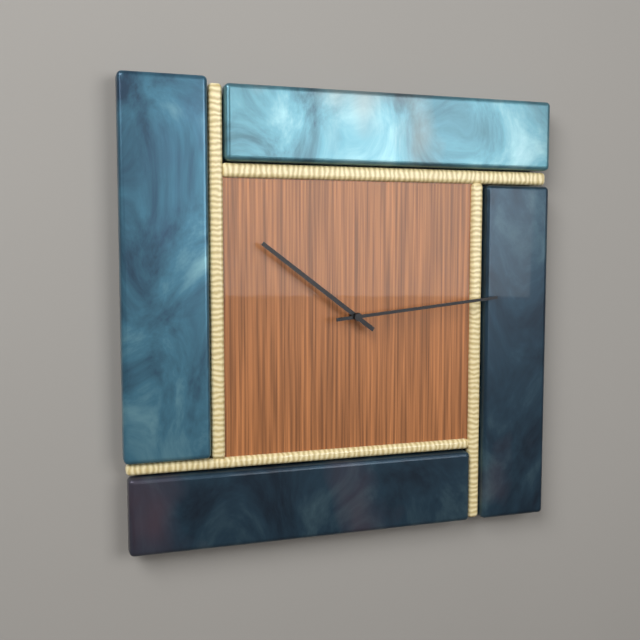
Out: **10:14**
